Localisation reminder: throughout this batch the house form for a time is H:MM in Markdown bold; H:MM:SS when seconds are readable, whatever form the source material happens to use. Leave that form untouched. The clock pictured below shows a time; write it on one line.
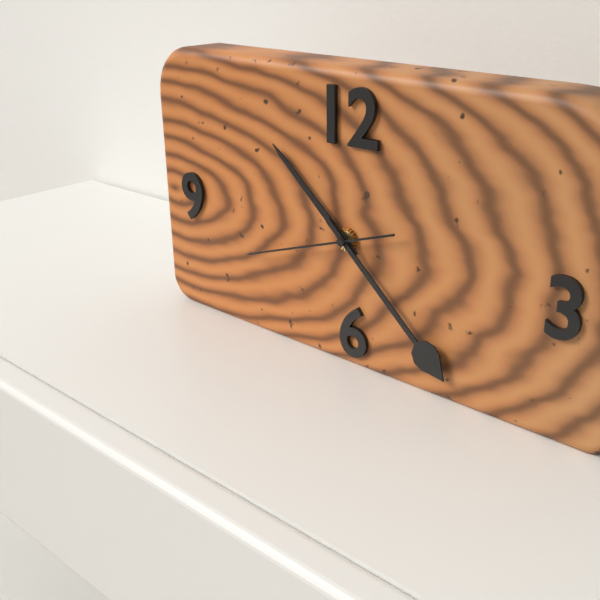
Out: **10:22:42**
